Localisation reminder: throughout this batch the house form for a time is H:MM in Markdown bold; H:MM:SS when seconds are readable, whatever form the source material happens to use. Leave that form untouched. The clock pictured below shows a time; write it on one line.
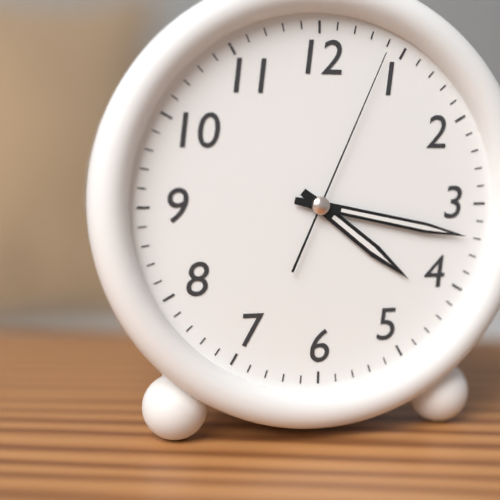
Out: **4:17:04**
